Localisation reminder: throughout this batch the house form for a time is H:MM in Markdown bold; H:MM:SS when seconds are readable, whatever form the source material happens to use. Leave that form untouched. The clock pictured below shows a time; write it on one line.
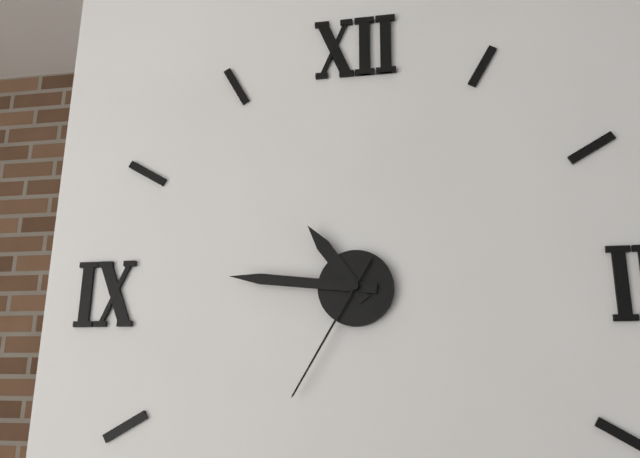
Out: **10:46:35**
